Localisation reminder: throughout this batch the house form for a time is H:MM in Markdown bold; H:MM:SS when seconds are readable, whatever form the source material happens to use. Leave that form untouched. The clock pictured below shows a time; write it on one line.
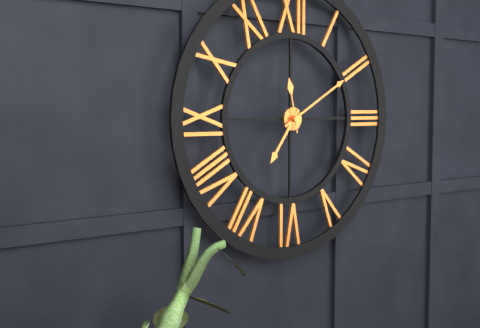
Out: **7:10:58**
